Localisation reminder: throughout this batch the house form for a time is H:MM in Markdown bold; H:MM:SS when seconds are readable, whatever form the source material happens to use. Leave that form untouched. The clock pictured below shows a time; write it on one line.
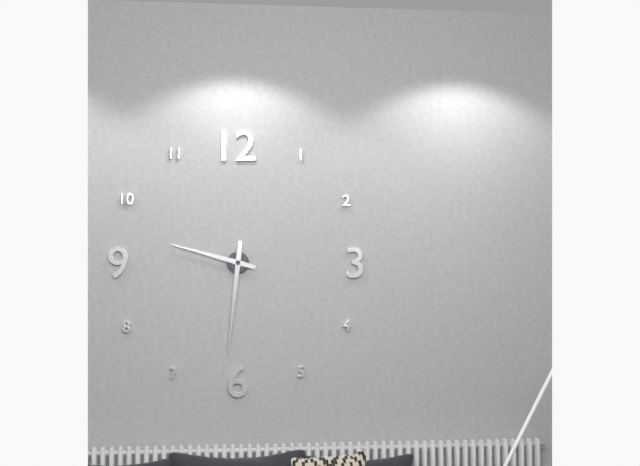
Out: **9:31**
